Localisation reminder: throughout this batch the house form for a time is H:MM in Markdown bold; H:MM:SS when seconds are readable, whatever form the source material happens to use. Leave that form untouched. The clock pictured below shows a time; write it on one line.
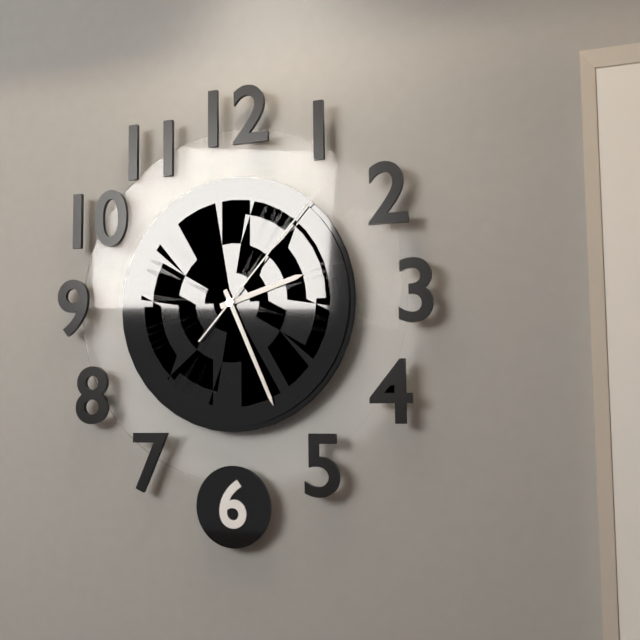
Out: **2:26:07**
